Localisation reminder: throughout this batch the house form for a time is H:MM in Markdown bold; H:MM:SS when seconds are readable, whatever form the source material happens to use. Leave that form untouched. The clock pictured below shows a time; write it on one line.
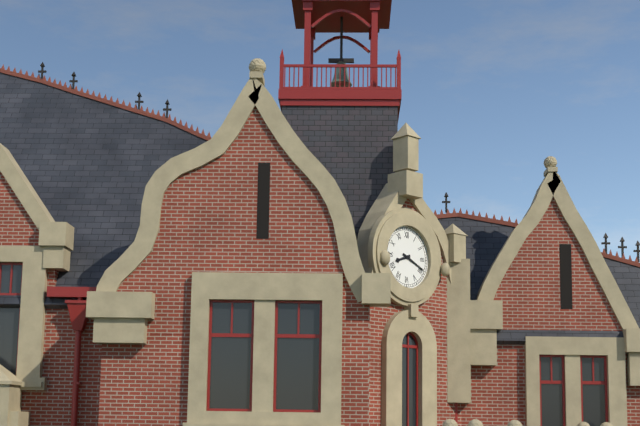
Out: **8:19**
